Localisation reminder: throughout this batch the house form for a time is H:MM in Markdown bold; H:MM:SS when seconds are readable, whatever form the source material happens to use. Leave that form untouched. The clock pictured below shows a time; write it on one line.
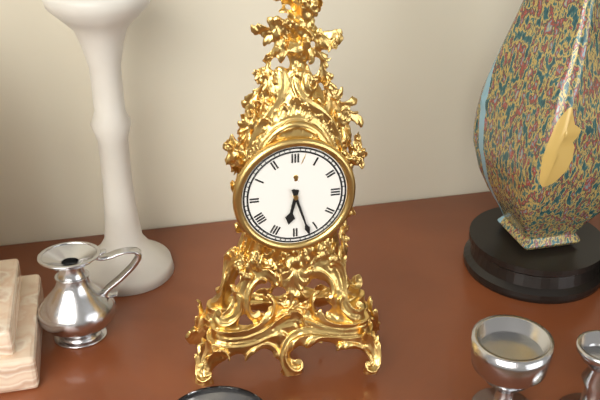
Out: **6:27**
